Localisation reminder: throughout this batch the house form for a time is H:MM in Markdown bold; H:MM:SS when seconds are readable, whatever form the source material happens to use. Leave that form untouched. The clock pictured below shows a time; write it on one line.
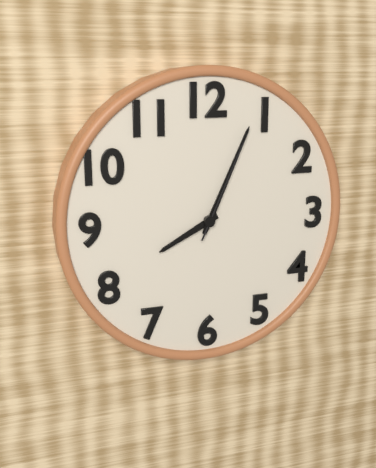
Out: **8:04:04**
